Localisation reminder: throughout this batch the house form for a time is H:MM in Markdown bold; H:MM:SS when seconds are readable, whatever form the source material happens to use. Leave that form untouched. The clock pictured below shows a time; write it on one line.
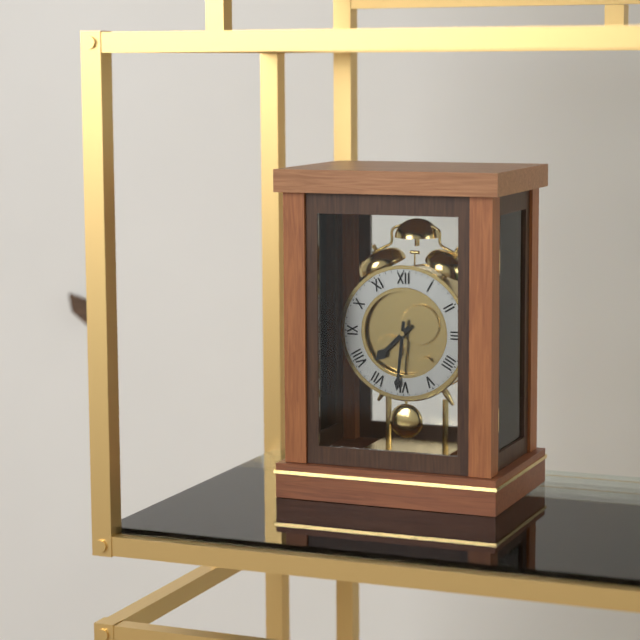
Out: **7:31**
